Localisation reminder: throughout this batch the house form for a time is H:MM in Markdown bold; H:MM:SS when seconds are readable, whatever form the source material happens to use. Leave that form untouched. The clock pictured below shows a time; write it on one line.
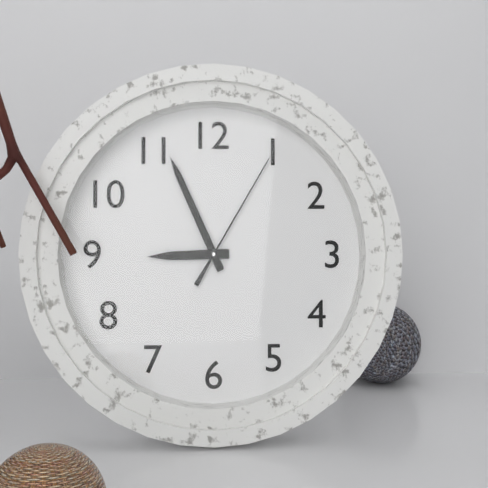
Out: **8:56:05**
